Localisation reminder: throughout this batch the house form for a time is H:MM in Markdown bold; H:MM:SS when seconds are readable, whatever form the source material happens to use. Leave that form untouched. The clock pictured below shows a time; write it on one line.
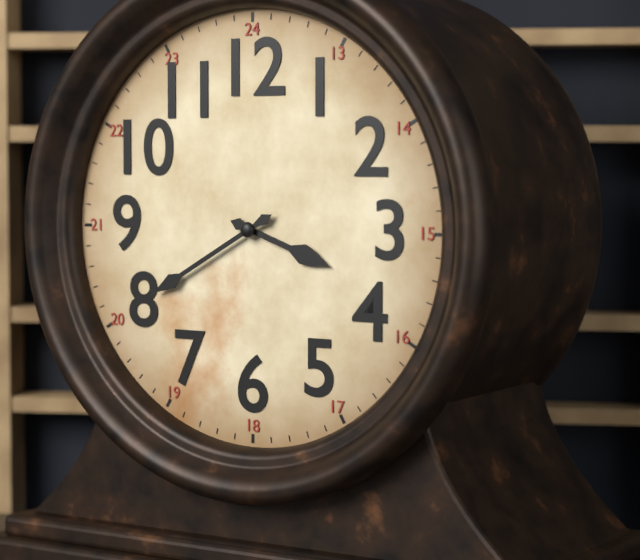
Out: **3:40**
